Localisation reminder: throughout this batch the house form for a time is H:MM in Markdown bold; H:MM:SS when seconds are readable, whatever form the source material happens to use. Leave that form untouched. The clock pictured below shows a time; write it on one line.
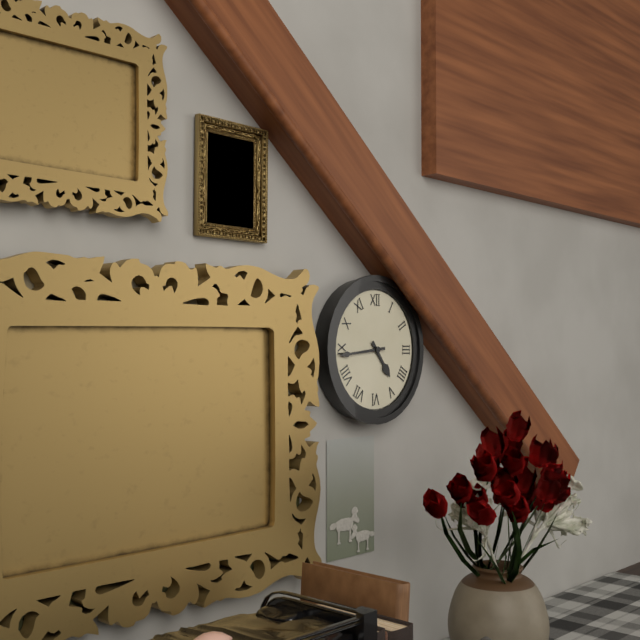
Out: **4:44**
